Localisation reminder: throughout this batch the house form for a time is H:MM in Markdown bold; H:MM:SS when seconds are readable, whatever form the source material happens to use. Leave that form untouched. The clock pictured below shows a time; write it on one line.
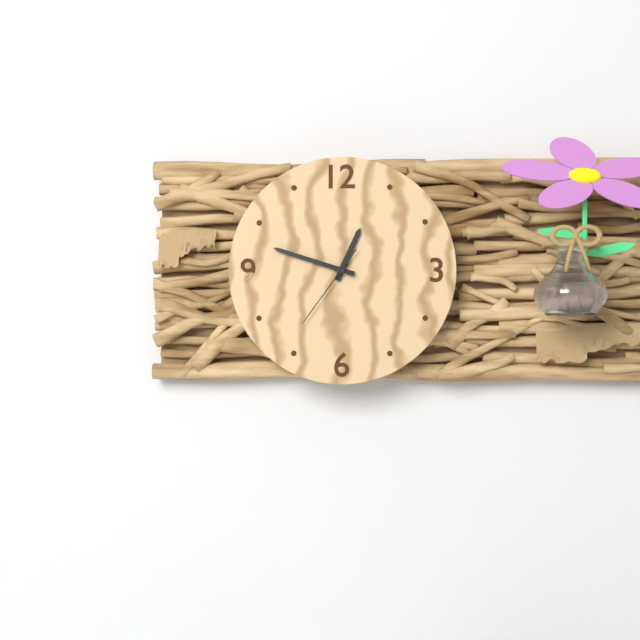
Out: **12:48:36**
